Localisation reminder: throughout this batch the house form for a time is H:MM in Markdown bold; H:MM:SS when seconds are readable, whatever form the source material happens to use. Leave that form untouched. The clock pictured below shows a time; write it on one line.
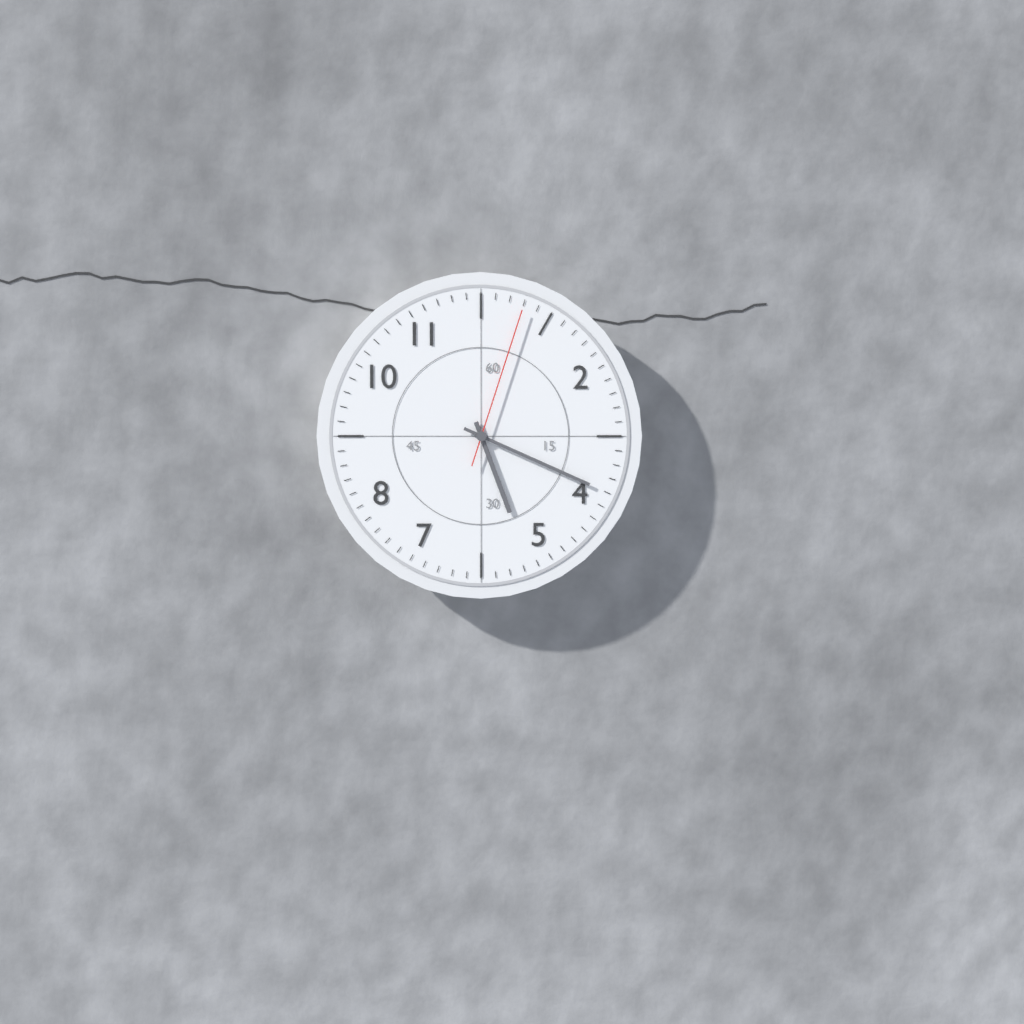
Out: **5:19:03**
